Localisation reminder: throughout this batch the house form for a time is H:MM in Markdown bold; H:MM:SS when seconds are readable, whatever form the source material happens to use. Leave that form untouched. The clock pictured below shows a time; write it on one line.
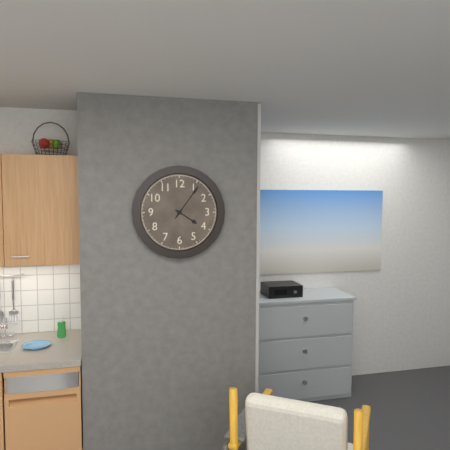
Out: **4:06**
